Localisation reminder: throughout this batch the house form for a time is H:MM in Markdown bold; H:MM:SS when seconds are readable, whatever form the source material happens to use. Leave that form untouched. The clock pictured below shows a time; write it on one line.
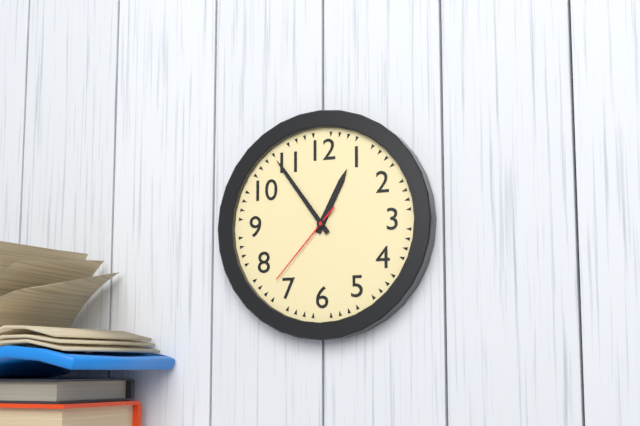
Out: **12:54:37**
